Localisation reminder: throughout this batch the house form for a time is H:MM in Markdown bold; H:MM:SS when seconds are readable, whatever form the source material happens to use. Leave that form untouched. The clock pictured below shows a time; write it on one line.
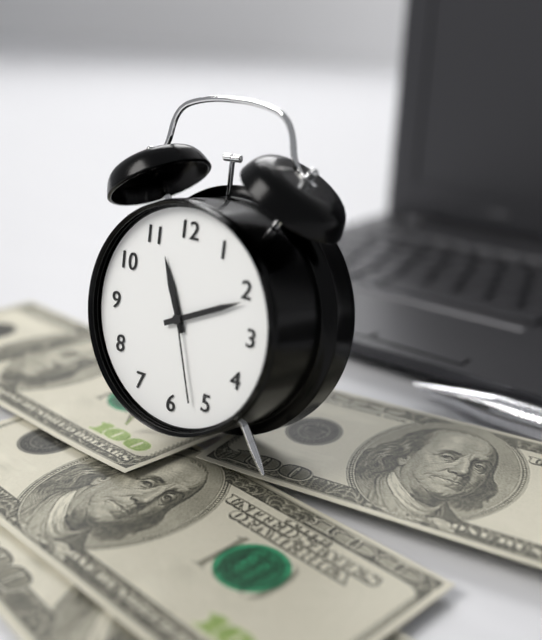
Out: **11:11:27**
